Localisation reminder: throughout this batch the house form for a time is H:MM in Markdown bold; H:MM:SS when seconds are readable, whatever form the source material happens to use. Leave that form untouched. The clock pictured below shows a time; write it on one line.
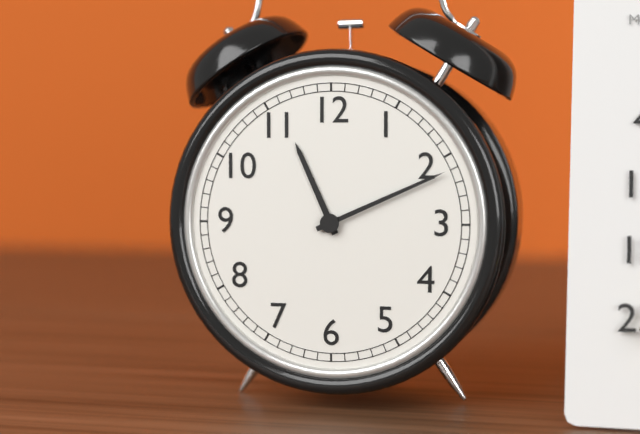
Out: **11:11**
